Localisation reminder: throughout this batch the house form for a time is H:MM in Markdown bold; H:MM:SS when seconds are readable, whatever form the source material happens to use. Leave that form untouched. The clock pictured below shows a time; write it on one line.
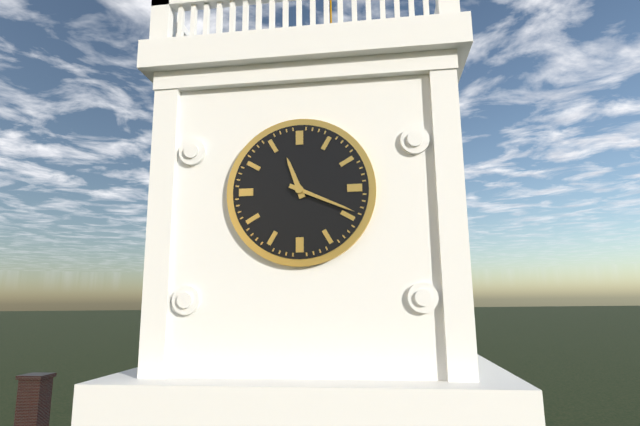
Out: **11:19**
